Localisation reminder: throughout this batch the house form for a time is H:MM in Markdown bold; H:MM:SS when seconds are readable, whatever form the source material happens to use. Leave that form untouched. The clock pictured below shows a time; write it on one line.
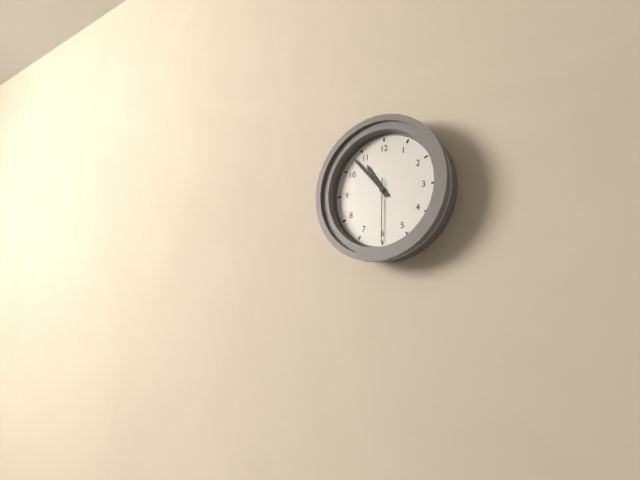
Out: **10:53:30**
